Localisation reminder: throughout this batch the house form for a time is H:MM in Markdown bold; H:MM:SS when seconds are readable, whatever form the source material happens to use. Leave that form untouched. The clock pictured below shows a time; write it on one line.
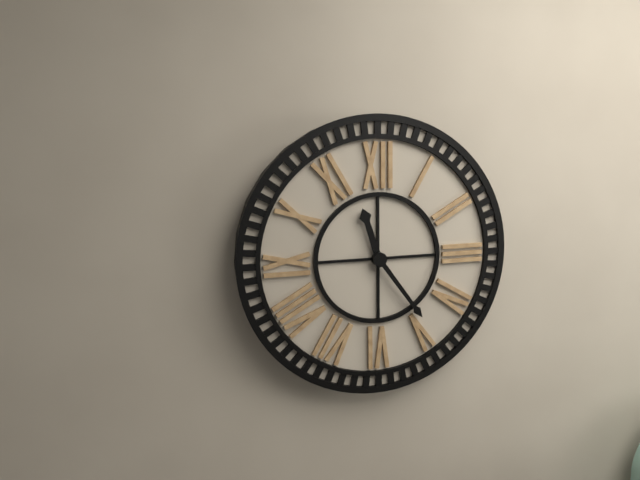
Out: **11:24**
